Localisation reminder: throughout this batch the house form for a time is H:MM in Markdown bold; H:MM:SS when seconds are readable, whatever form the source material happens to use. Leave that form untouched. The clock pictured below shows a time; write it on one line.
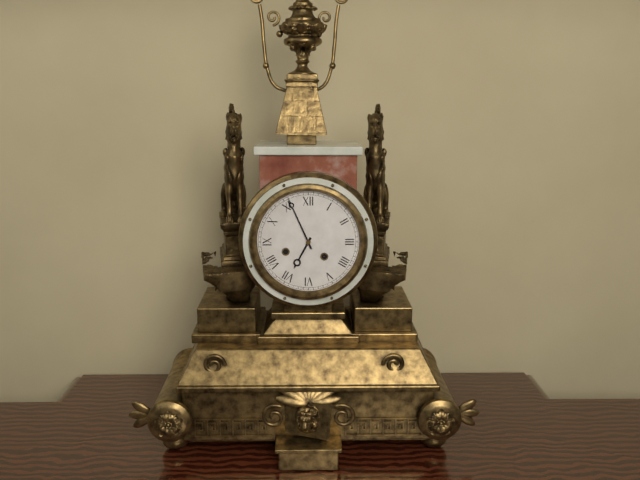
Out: **6:56**
